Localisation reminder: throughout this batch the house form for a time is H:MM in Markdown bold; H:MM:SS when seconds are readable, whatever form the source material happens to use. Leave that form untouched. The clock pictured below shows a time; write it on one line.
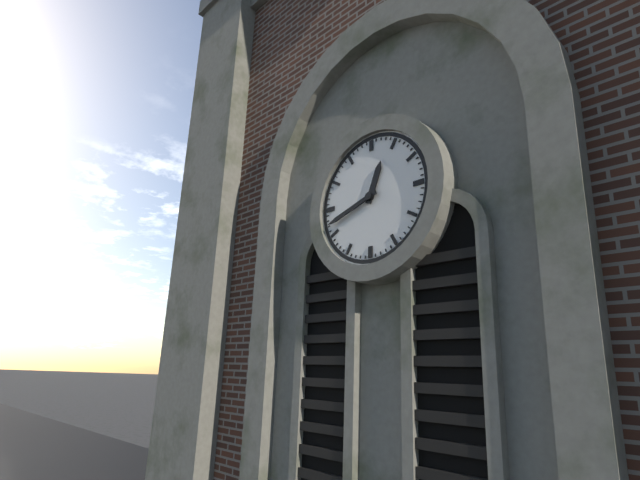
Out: **12:42**
